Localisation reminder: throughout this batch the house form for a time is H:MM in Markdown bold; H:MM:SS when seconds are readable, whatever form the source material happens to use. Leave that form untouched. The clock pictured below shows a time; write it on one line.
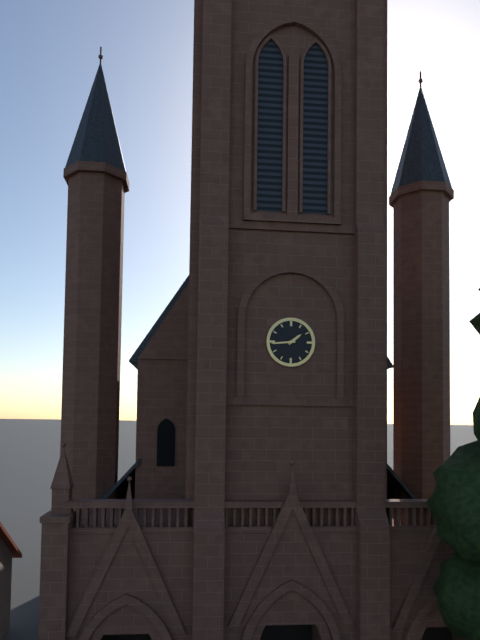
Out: **1:44**
